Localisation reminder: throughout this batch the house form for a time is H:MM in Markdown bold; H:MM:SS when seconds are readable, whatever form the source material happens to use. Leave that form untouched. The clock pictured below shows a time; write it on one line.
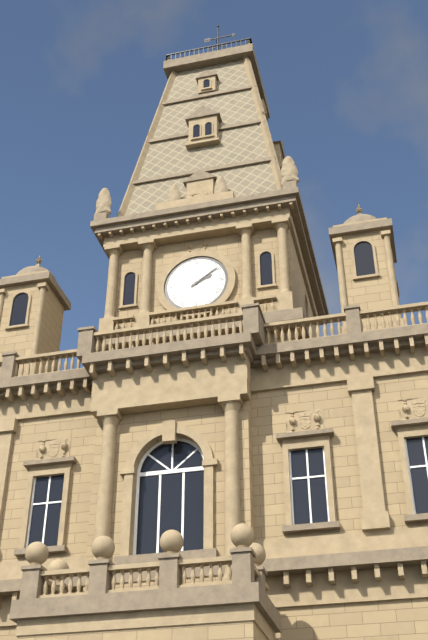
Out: **2:09**
